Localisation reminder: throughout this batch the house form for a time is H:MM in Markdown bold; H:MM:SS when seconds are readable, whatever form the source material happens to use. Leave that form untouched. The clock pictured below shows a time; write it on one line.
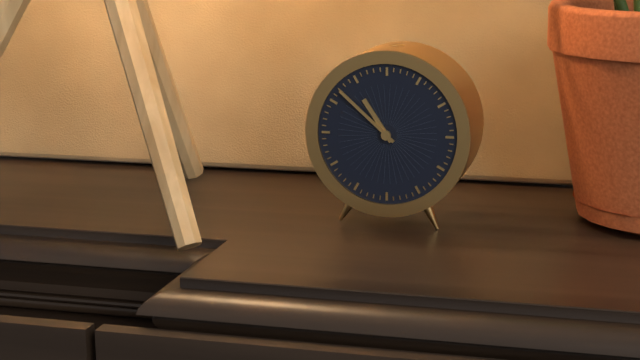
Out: **10:52**
